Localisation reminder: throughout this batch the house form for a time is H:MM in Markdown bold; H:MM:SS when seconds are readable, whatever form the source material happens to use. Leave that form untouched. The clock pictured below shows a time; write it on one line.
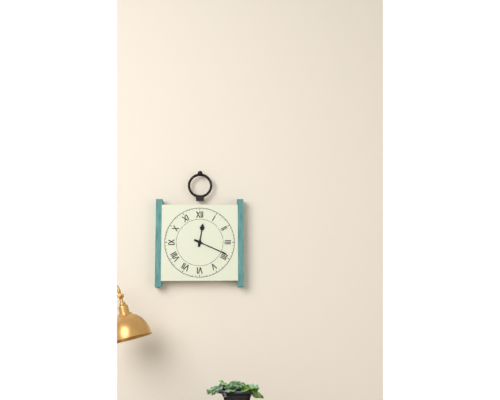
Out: **12:19**
